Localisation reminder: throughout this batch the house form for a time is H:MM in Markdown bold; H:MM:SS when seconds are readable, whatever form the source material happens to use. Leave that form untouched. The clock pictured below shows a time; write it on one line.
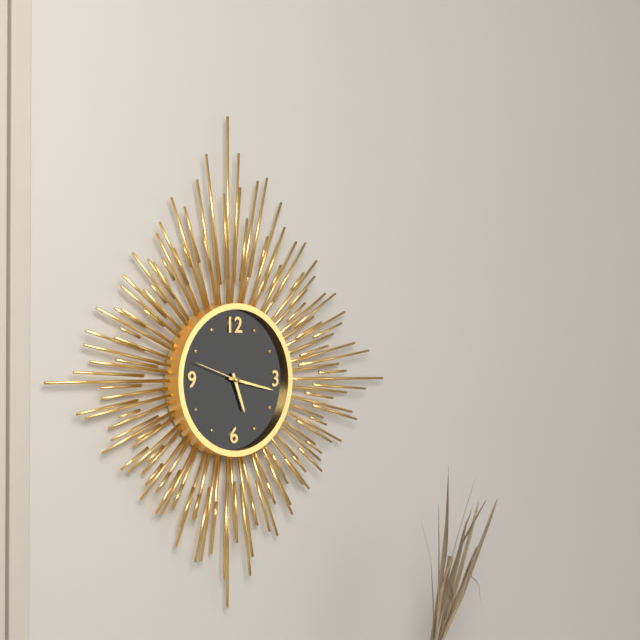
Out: **5:17:48**
